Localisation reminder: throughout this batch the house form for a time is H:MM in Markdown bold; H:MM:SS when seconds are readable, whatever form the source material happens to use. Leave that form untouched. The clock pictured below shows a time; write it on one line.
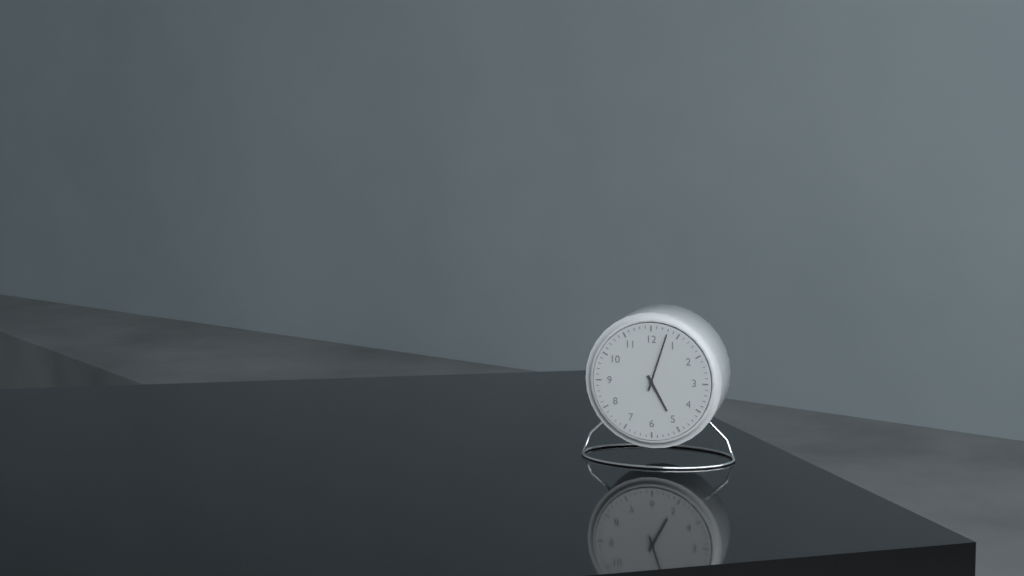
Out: **5:03**
